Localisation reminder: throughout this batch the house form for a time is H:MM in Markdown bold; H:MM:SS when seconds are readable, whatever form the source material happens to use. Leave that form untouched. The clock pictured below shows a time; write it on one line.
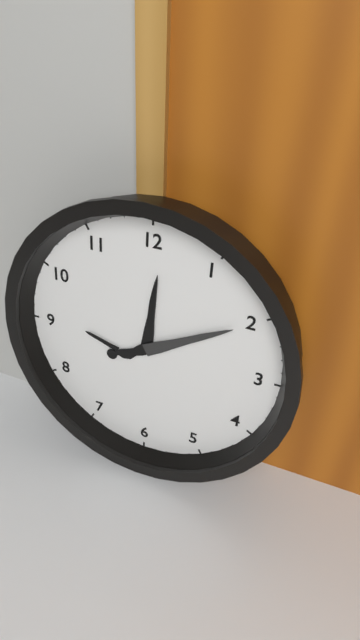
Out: **12:10**
